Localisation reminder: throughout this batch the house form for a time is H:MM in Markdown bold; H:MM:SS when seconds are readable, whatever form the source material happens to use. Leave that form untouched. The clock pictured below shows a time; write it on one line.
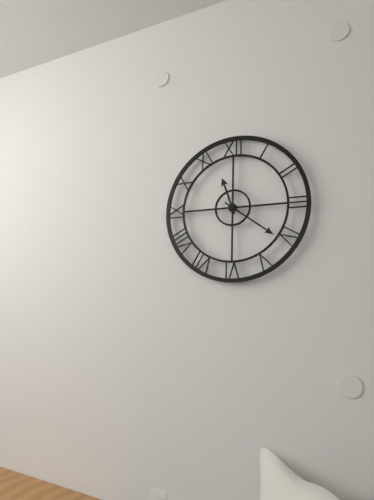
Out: **11:21**
